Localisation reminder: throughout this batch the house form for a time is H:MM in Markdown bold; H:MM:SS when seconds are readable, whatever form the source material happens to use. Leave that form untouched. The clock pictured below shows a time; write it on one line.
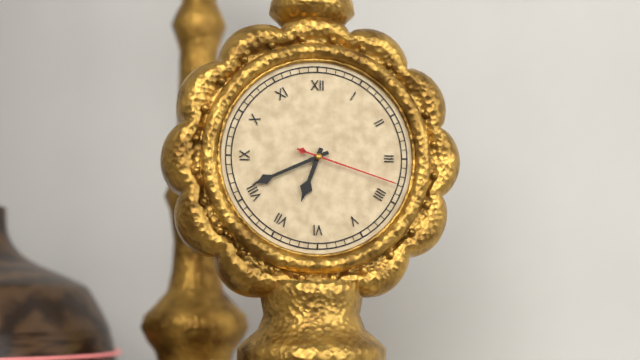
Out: **6:41:18**
